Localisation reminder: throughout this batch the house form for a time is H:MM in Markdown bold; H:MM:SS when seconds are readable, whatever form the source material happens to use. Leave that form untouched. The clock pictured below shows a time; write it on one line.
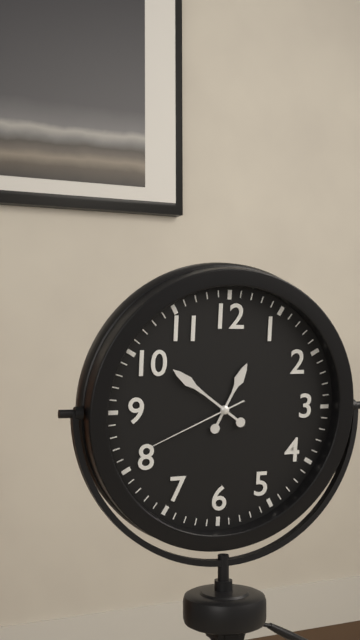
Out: **12:51:41**
